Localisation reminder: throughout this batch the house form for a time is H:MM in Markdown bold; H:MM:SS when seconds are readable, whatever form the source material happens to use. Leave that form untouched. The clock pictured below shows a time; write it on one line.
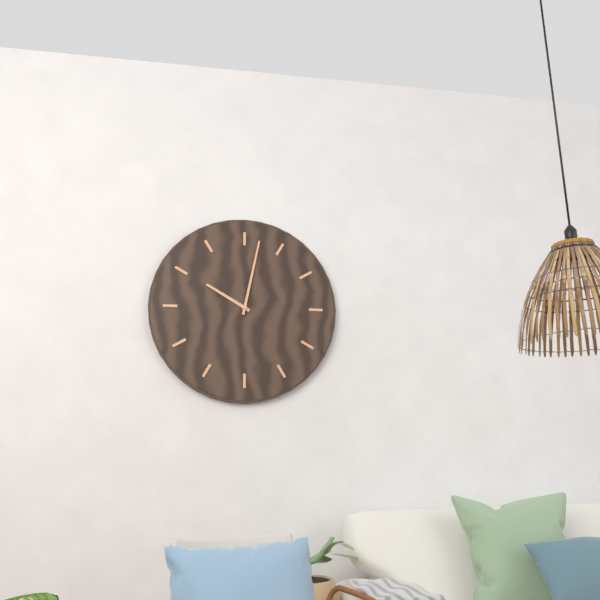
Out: **10:02**
